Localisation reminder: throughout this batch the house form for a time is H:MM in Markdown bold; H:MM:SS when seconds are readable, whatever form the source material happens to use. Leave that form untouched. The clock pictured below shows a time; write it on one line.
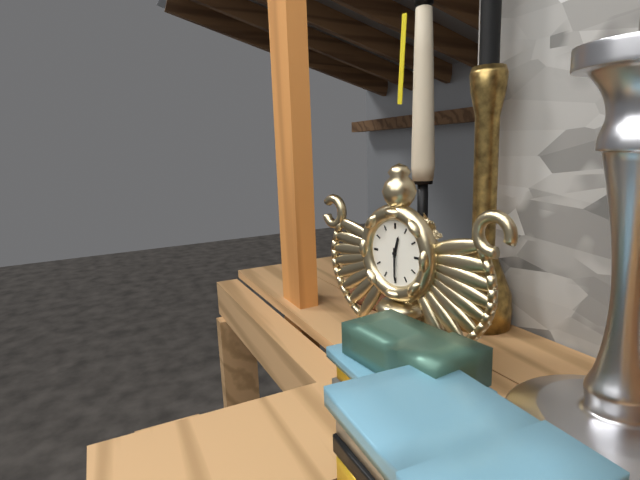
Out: **12:30**
